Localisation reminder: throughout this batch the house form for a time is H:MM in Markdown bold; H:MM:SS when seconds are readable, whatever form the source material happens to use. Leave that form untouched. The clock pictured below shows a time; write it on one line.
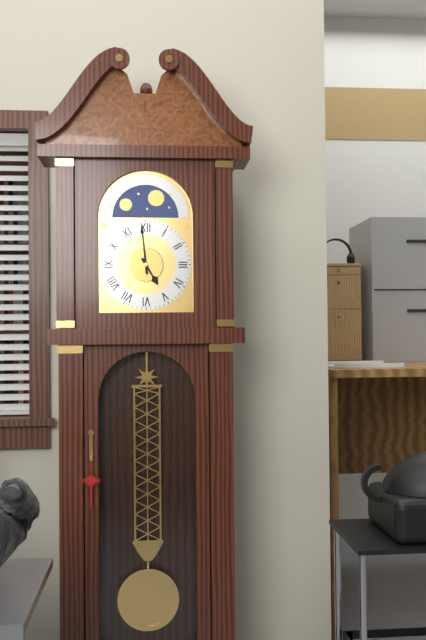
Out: **4:59**
